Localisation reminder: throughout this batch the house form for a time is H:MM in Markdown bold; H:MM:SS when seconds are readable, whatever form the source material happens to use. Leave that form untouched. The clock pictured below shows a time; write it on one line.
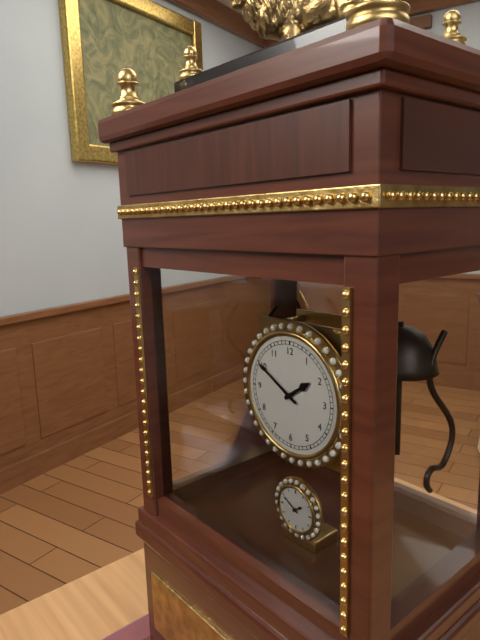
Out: **1:50**
